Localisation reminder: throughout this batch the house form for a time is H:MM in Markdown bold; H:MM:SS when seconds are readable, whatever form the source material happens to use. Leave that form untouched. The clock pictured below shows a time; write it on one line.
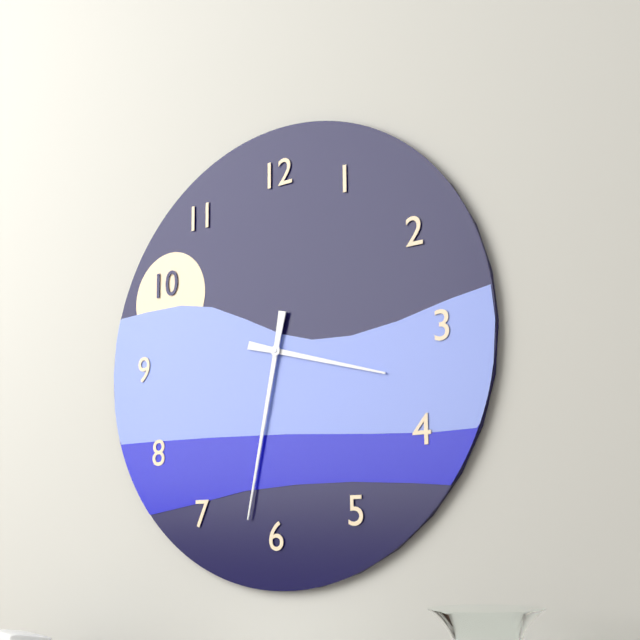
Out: **3:32**
